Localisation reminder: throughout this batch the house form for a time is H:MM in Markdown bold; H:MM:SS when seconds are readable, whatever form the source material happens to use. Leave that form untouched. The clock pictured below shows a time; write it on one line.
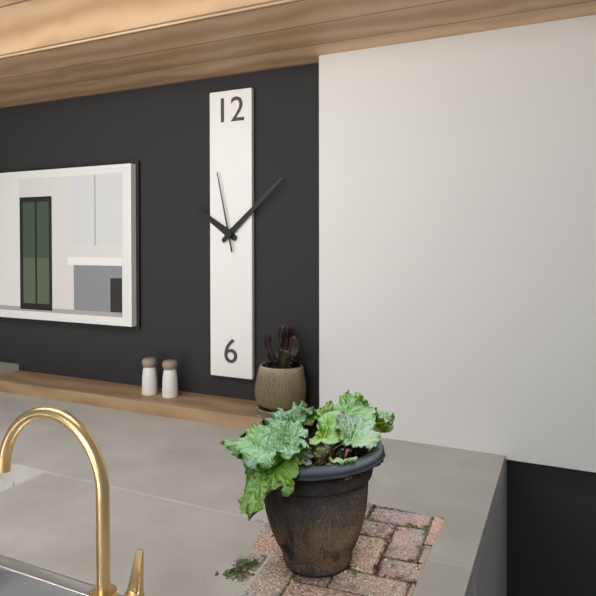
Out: **10:08:58**
